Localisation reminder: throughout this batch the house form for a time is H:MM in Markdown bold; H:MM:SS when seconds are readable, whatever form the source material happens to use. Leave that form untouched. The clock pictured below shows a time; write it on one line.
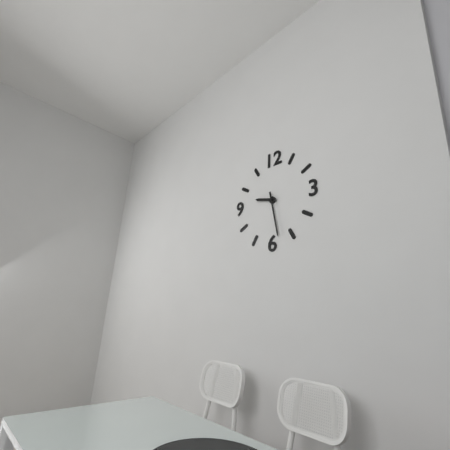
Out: **9:28**
